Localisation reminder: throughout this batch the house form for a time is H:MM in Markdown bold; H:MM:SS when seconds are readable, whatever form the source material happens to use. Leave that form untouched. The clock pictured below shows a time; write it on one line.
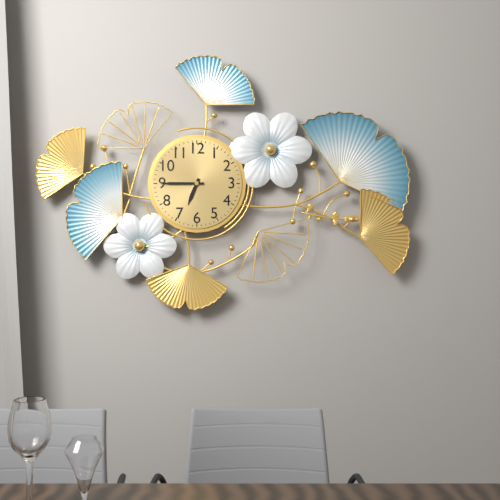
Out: **6:45**
